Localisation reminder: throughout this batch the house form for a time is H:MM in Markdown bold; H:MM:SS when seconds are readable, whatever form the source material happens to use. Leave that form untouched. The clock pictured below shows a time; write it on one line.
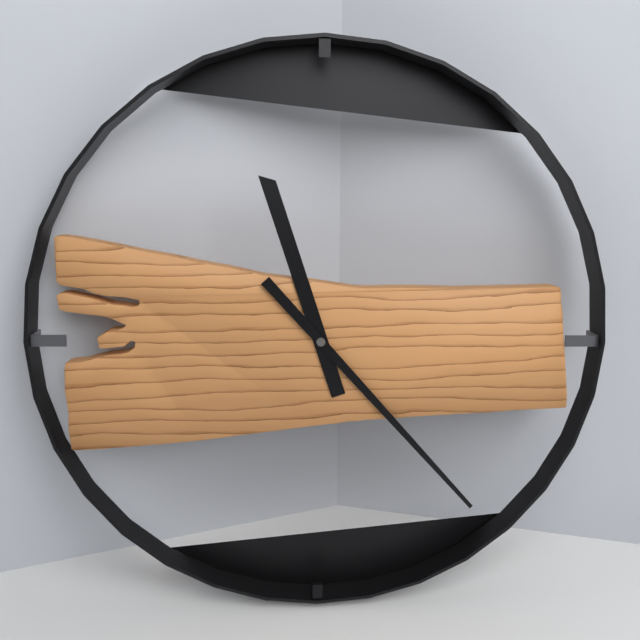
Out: **11:23**
